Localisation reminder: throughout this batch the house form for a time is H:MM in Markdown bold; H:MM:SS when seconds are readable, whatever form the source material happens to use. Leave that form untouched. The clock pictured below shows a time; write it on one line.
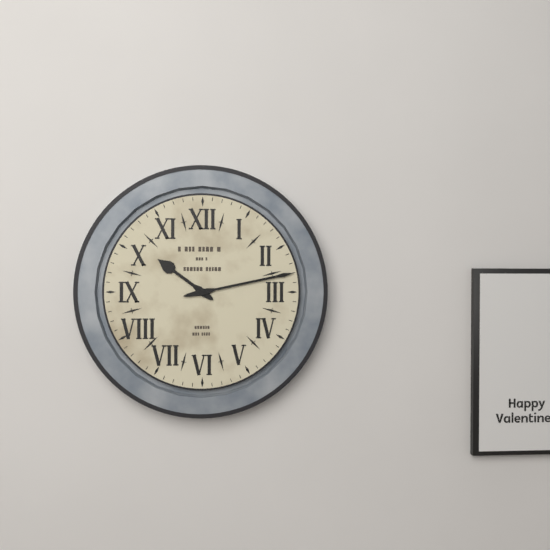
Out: **10:13**
